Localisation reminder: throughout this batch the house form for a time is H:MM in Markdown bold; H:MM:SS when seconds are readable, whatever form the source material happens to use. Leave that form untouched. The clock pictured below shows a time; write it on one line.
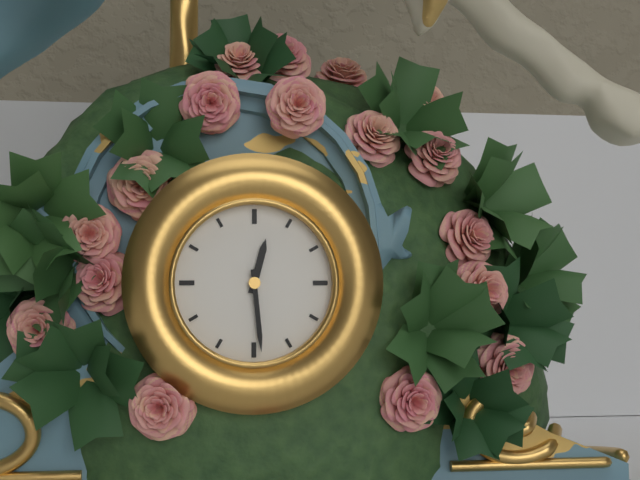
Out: **12:29**
